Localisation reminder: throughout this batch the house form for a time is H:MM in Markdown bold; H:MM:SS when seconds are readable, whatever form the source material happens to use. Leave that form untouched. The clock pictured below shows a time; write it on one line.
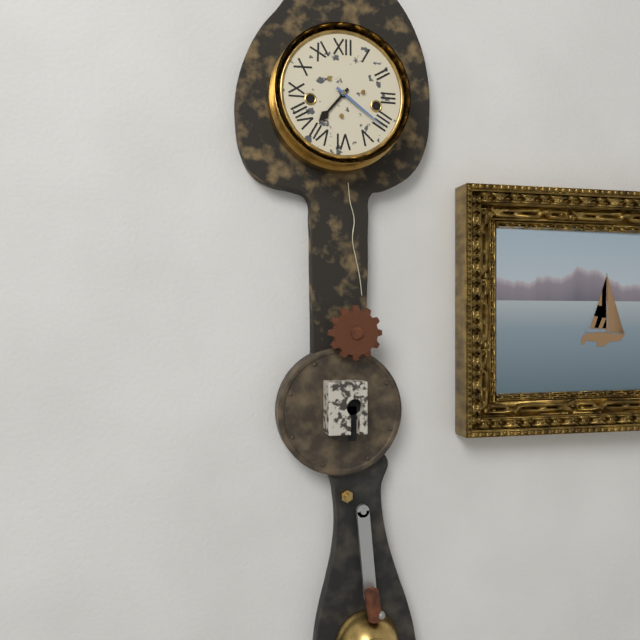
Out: **7:21**
